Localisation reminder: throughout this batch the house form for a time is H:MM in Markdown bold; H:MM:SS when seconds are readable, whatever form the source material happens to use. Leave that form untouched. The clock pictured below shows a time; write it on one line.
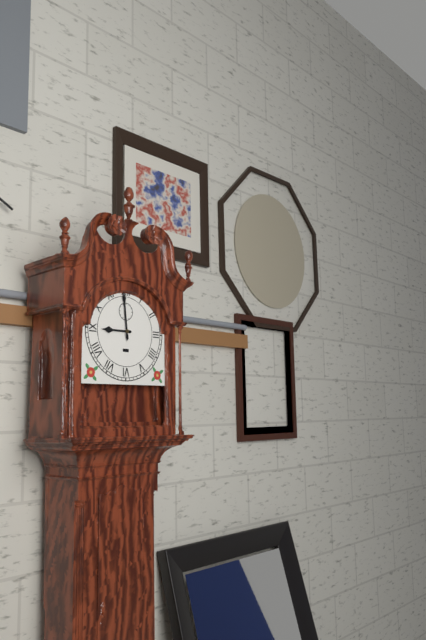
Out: **8:59**
